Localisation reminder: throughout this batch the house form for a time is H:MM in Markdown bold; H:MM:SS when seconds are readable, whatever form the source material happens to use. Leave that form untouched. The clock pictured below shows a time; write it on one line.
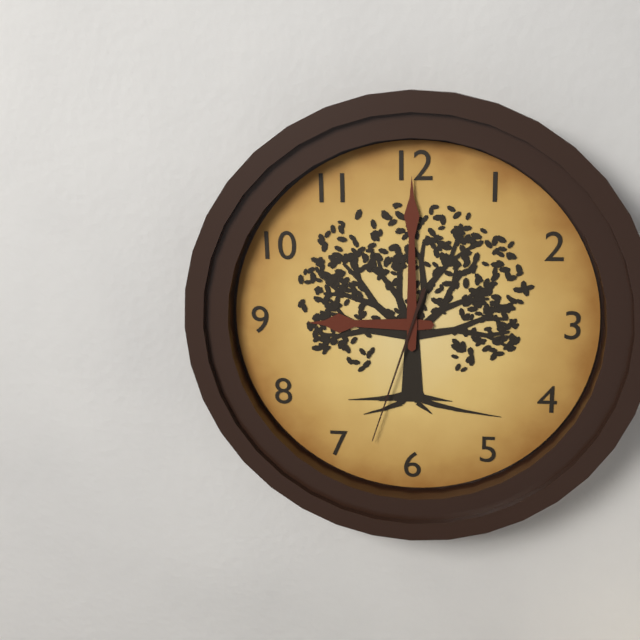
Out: **9:00:33**
